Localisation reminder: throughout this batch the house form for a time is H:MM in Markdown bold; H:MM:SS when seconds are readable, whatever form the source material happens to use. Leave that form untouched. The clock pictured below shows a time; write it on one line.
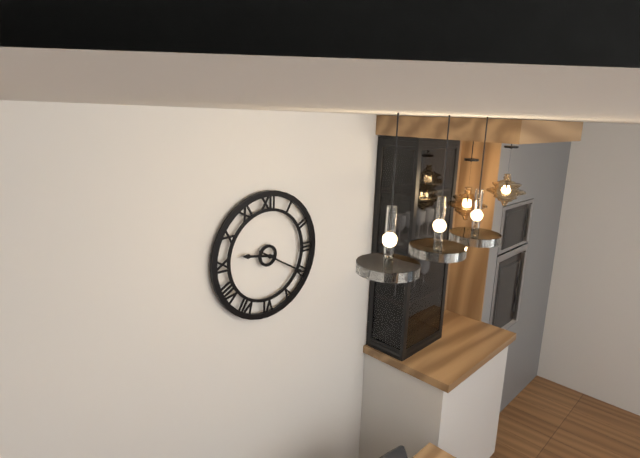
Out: **9:20**
